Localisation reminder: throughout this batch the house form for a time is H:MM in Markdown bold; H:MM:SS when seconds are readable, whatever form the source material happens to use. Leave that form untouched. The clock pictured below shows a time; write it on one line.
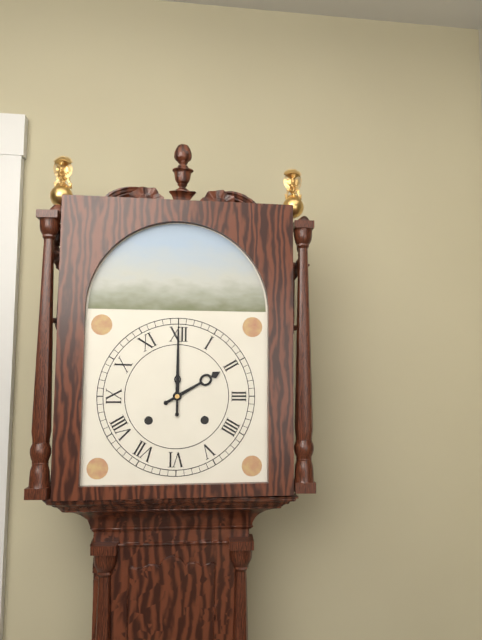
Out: **2:00**
